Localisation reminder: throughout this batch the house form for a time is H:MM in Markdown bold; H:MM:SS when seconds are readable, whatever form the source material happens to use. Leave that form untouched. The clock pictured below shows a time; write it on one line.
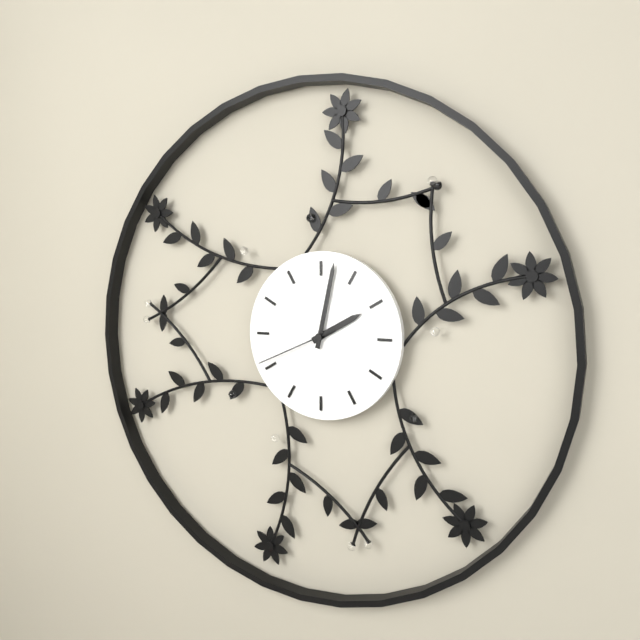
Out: **2:02:41**
